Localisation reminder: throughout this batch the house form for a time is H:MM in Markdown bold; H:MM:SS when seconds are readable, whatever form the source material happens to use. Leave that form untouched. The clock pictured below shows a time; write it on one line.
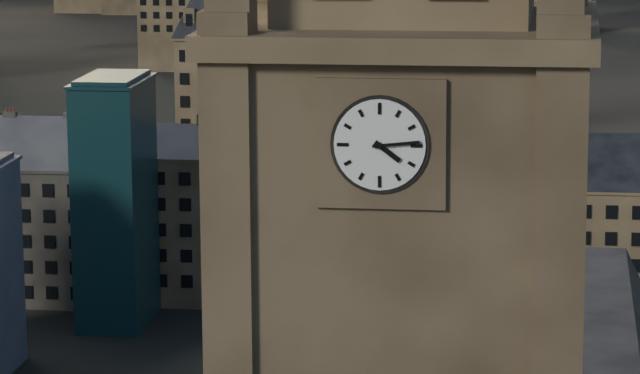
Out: **4:14**
